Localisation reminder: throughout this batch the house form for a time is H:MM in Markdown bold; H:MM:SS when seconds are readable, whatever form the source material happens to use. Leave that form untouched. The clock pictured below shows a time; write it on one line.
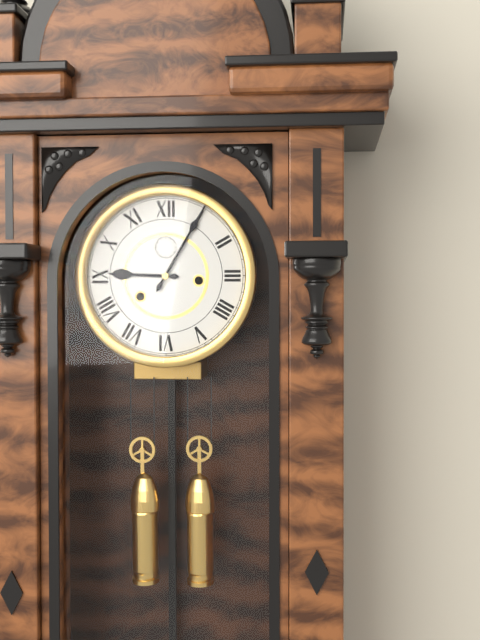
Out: **9:05**
